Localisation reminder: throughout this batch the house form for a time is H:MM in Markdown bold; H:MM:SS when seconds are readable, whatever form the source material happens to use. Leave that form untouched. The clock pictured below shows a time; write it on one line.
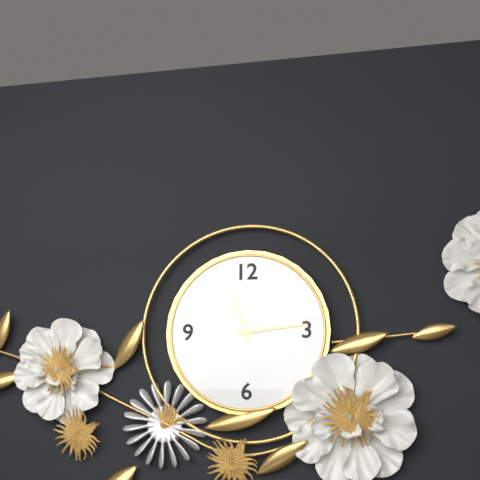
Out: **11:14**
